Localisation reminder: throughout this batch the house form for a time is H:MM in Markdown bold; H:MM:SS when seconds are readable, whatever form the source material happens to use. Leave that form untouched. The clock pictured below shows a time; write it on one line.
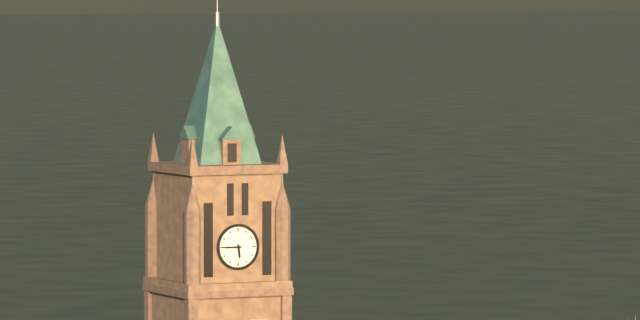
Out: **5:45**
